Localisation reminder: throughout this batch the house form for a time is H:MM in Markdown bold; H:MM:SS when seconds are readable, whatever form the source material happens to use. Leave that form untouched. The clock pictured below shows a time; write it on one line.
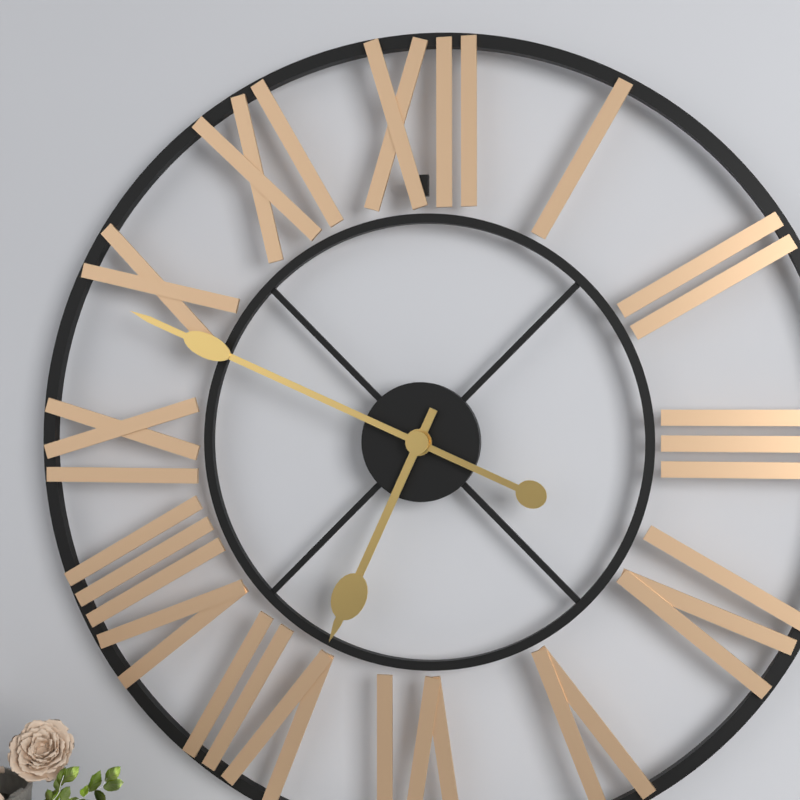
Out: **6:49**
